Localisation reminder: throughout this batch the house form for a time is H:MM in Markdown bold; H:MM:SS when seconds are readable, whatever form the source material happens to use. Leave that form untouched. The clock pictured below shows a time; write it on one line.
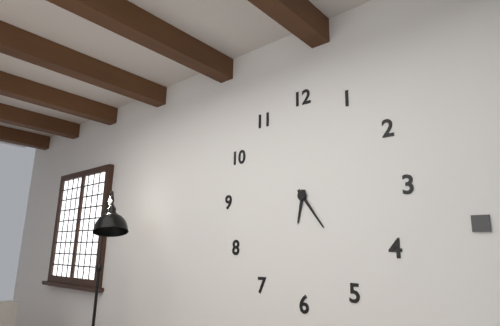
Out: **6:24**
